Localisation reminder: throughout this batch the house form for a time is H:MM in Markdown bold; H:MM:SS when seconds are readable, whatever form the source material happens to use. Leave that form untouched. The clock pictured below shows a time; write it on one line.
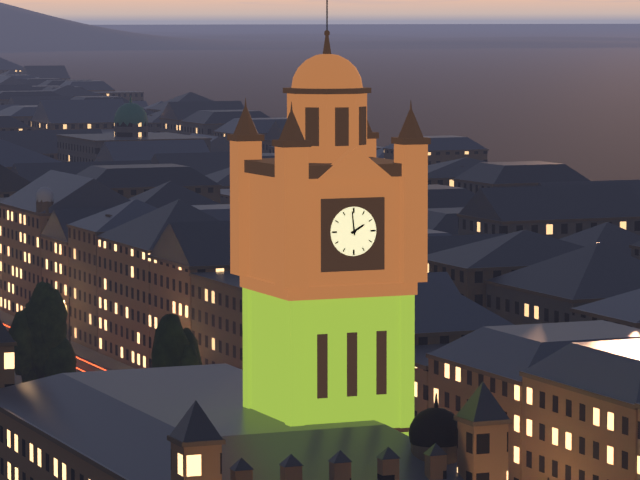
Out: **1:59**
